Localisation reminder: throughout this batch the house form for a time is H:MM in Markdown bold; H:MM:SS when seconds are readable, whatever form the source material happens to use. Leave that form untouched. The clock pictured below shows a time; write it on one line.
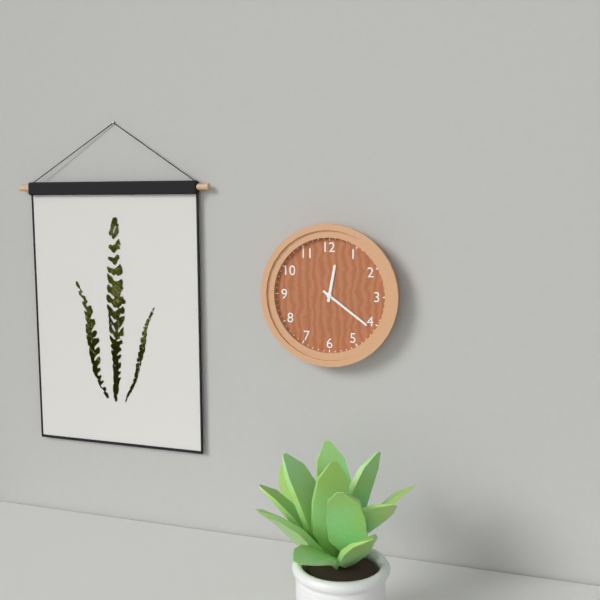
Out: **12:21**
